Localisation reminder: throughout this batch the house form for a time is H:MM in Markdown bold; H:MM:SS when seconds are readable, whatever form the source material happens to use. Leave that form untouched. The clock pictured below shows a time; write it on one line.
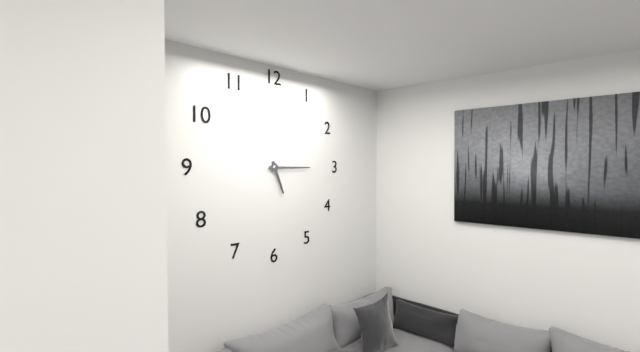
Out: **5:15**
